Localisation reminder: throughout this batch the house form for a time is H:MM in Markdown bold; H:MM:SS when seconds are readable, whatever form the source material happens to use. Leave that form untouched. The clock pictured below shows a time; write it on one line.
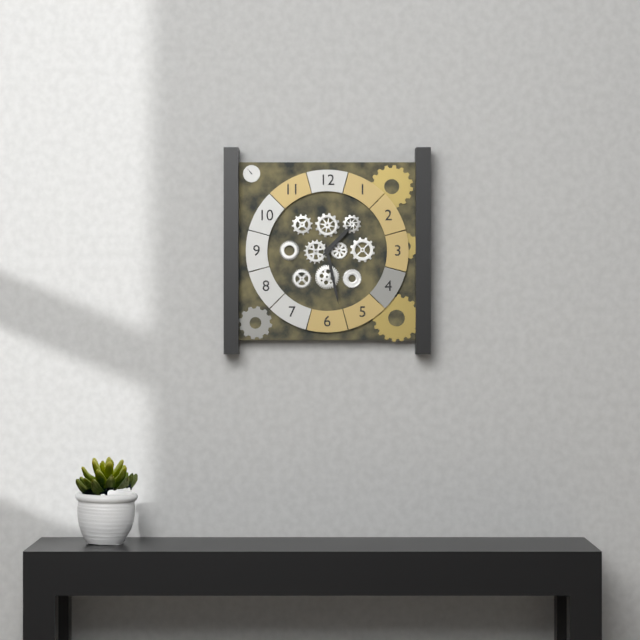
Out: **1:28**
